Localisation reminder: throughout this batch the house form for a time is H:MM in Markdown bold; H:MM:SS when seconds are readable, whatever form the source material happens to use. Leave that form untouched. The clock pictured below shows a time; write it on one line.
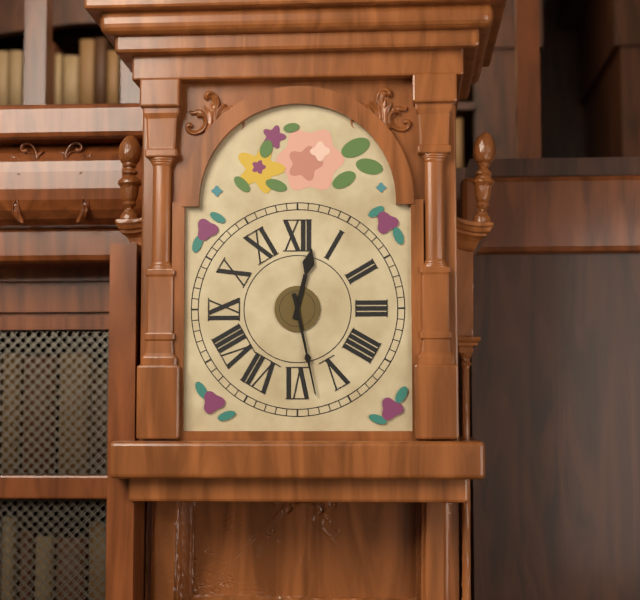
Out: **12:28**
